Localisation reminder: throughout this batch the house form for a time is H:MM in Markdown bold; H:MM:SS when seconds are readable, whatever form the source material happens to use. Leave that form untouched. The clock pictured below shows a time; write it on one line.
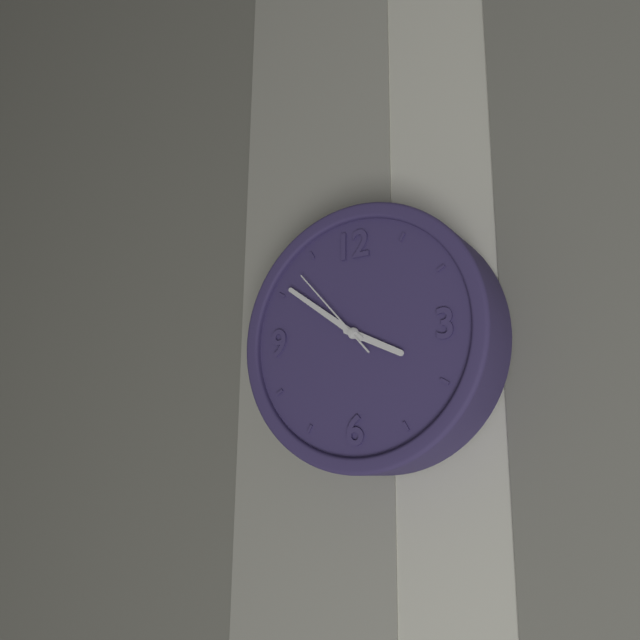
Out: **3:51:53**
